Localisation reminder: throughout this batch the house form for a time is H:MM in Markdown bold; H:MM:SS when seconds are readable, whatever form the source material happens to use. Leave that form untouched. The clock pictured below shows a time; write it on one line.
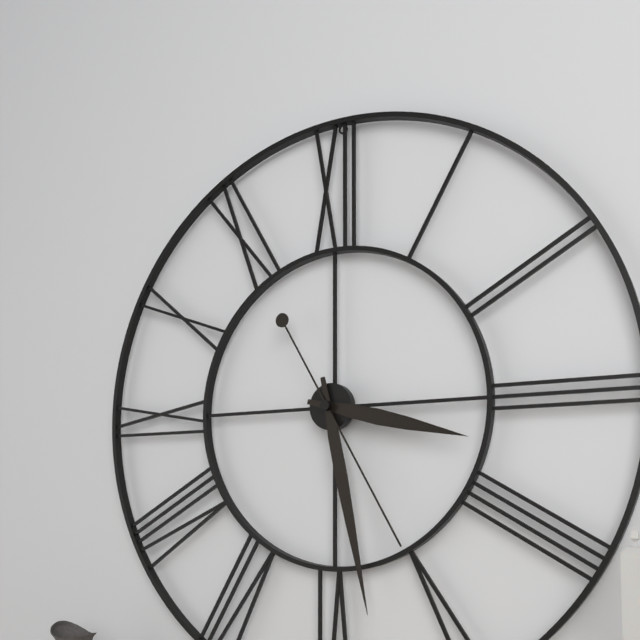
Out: **3:28:25**
